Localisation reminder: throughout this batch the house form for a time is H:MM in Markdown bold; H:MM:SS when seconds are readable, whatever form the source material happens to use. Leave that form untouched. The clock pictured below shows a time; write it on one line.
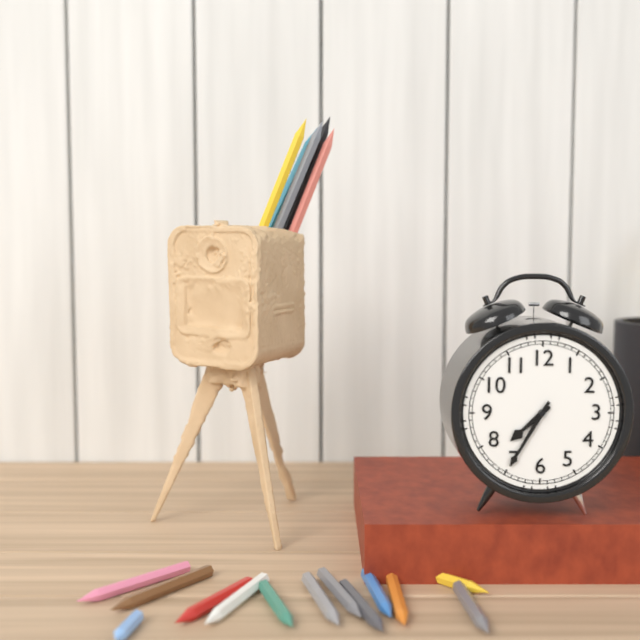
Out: **7:35**
